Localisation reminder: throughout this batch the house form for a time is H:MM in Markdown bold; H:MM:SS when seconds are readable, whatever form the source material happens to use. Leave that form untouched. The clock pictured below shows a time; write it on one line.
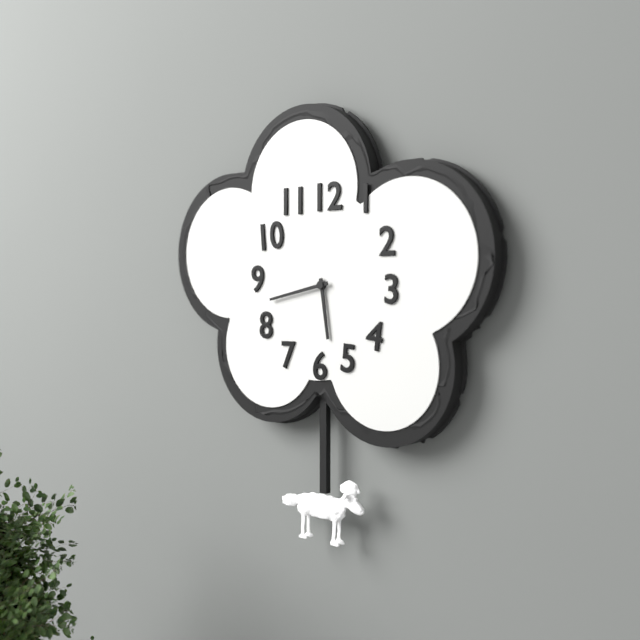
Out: **5:43**
